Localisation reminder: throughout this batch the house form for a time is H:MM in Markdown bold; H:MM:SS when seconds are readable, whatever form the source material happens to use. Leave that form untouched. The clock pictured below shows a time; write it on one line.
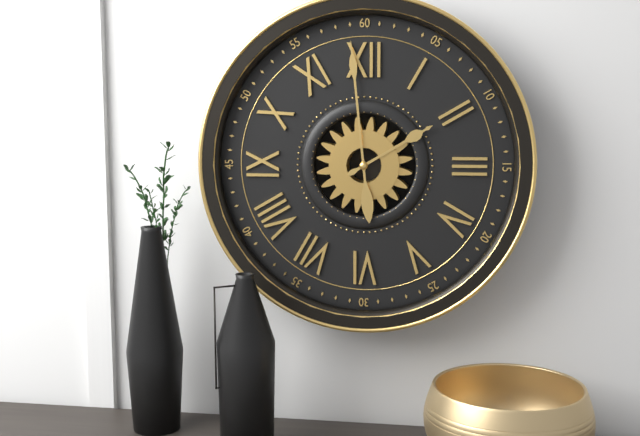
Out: **1:59**
